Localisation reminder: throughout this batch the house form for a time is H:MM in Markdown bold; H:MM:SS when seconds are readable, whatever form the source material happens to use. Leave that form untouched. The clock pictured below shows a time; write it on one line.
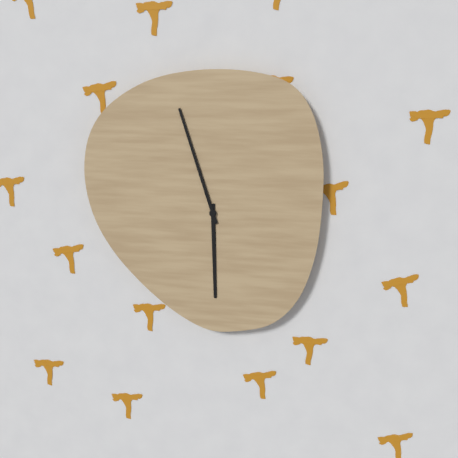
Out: **5:57**
